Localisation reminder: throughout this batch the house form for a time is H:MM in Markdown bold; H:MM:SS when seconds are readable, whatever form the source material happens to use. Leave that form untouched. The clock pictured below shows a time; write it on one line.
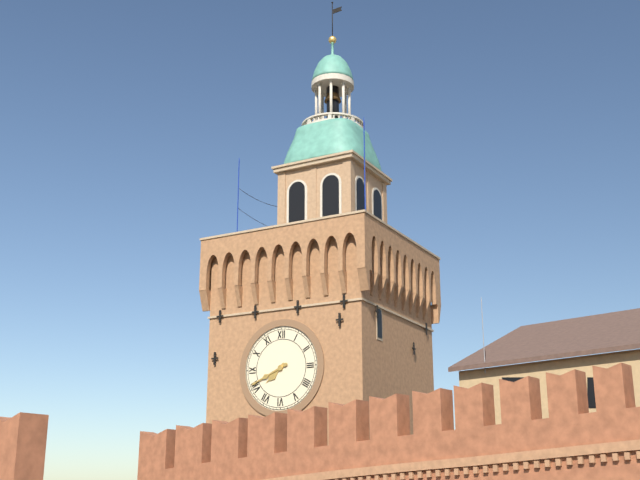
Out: **7:41**
